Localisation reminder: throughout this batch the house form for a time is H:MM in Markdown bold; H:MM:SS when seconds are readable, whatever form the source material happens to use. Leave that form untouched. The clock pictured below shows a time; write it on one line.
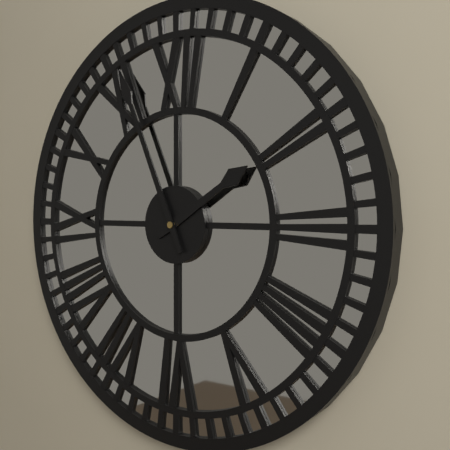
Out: **1:56**
